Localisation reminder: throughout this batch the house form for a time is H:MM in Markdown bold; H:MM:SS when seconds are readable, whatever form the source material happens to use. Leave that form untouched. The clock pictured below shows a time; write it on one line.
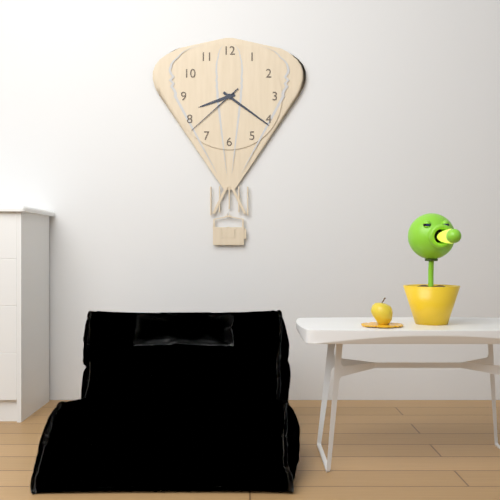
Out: **8:21:38**
